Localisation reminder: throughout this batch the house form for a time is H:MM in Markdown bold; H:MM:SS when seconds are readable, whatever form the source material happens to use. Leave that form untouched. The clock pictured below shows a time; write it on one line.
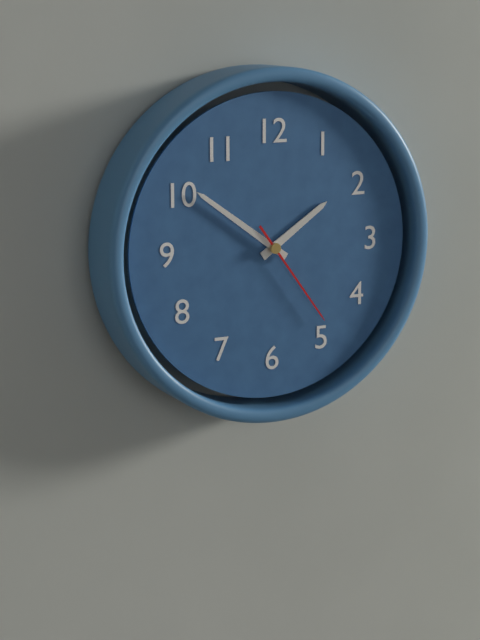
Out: **1:51:24**
